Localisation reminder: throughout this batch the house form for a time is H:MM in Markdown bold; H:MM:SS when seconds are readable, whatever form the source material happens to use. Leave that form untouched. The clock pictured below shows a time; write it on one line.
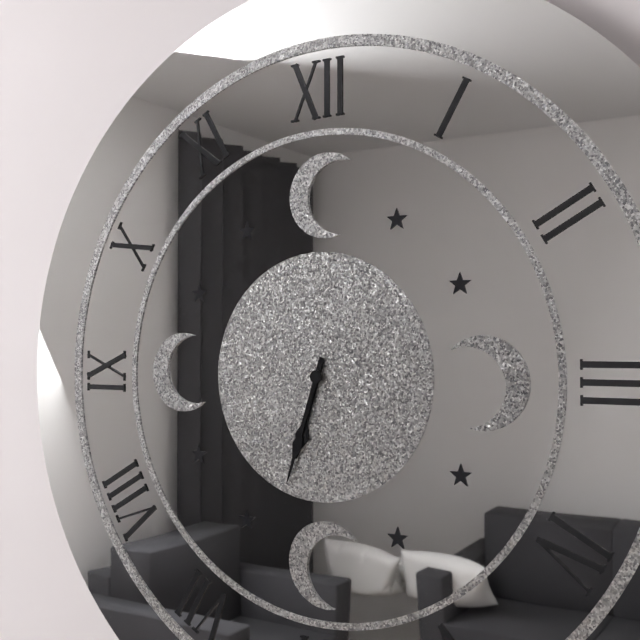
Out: **6:33**
